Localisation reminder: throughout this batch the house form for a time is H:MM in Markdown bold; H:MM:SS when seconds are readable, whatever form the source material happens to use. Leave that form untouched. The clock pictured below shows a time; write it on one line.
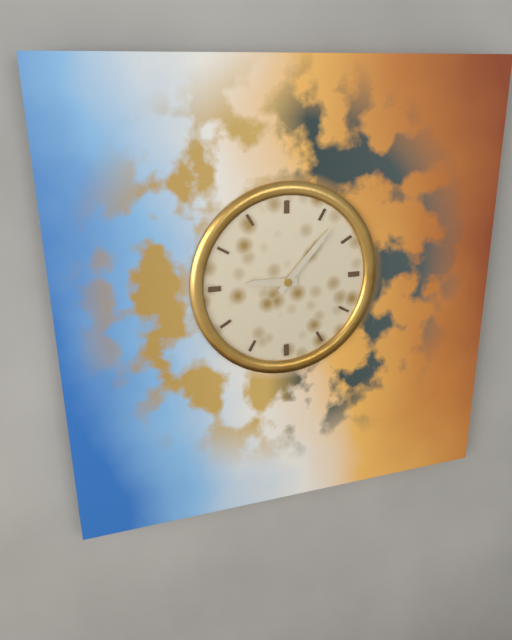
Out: **9:07**
